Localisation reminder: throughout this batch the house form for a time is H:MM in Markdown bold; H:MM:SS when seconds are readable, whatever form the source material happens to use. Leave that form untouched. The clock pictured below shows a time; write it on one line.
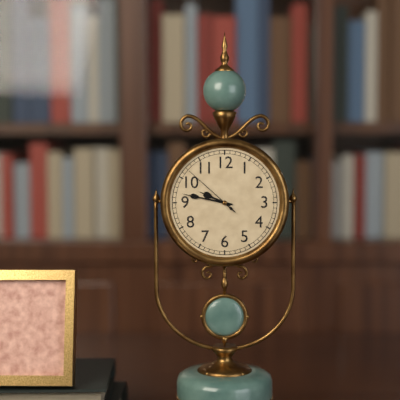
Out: **9:47:52**
